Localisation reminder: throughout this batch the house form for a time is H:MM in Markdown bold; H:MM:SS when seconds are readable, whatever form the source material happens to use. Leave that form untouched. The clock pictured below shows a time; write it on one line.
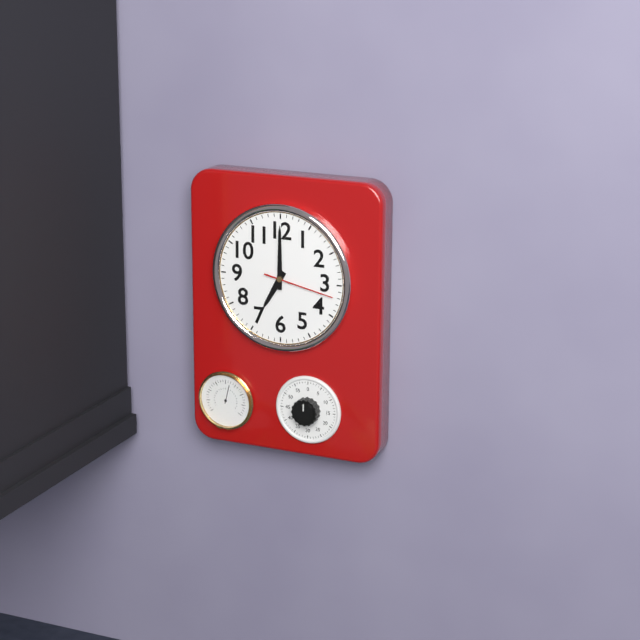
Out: **7:00:17**
